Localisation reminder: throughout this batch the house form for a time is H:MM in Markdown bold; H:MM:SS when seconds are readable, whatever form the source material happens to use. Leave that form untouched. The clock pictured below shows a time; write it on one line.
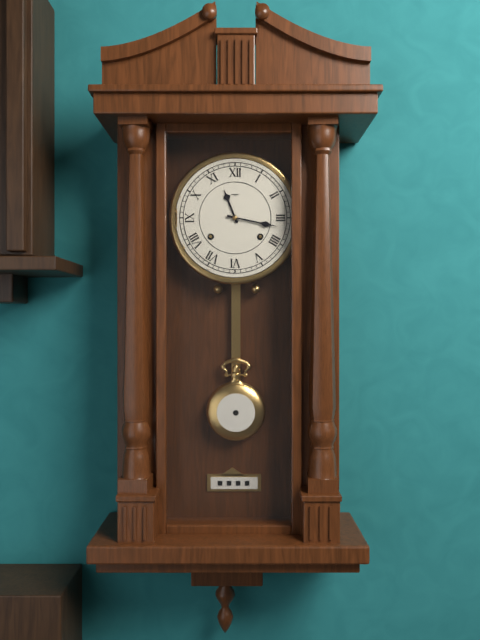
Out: **11:17**
